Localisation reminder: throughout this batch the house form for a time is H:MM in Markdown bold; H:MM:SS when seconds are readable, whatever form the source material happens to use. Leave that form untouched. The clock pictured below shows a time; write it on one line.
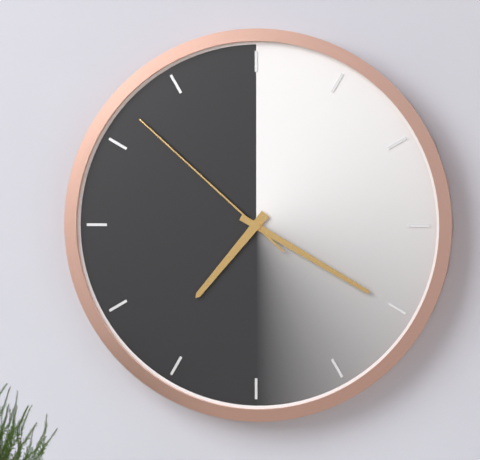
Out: **7:20:52**
